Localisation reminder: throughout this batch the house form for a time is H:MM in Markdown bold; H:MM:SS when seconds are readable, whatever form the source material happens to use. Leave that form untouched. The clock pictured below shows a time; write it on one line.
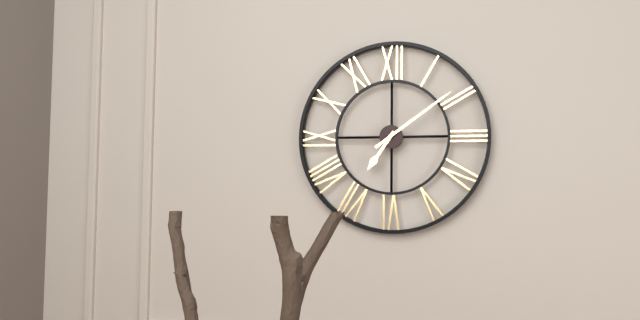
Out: **7:09**
